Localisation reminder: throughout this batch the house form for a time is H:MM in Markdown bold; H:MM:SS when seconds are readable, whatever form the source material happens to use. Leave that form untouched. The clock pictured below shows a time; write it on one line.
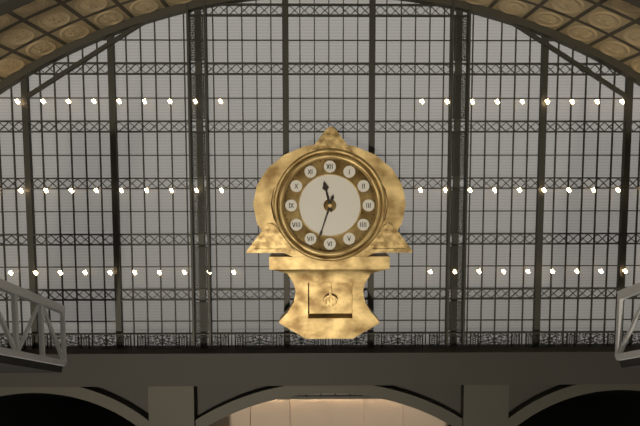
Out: **11:33**
